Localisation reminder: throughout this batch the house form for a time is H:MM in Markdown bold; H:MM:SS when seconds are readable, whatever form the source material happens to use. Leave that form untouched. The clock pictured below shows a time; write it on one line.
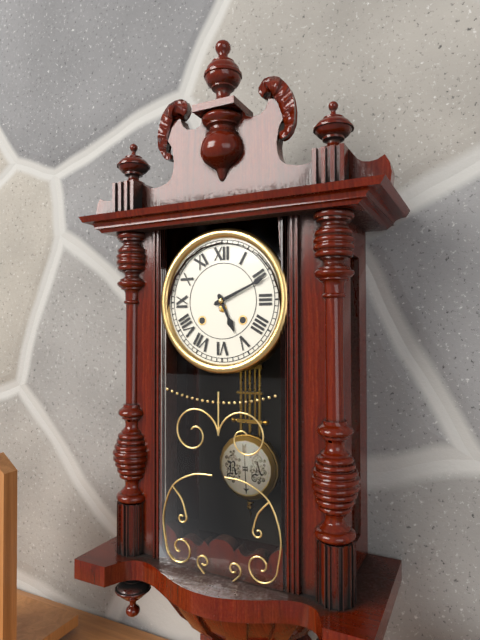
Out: **5:11**
